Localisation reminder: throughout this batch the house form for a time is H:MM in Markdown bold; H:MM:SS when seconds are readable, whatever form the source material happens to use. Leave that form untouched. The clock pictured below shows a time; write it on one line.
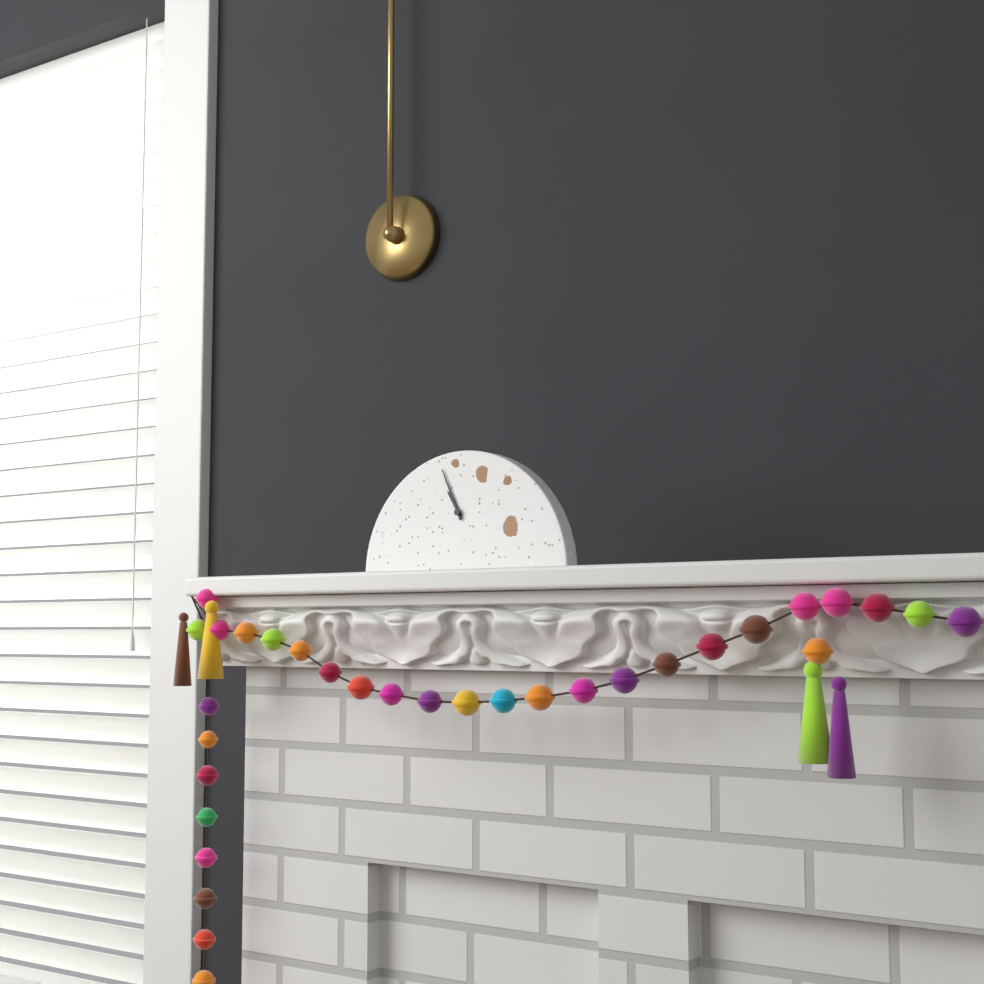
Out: **10:56**
